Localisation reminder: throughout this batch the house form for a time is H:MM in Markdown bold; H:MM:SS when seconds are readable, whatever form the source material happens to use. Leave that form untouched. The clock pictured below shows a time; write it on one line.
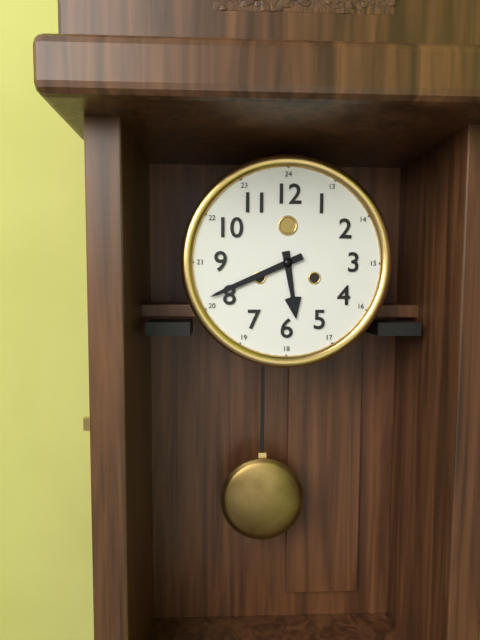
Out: **5:41**
